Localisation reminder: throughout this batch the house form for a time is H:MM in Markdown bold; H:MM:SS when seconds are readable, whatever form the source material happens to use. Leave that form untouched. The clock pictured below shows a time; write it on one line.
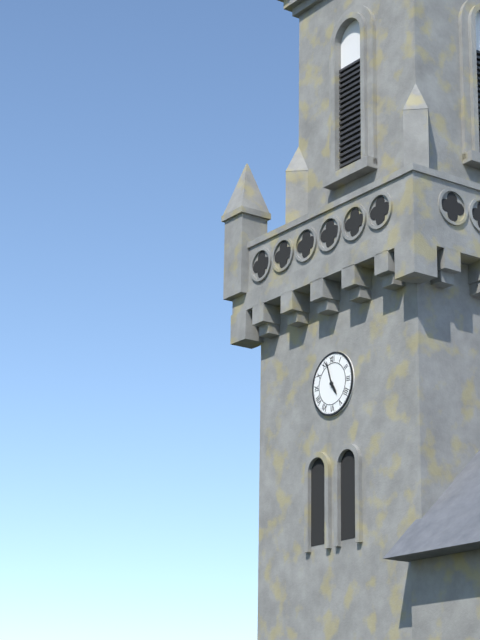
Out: **4:57**
